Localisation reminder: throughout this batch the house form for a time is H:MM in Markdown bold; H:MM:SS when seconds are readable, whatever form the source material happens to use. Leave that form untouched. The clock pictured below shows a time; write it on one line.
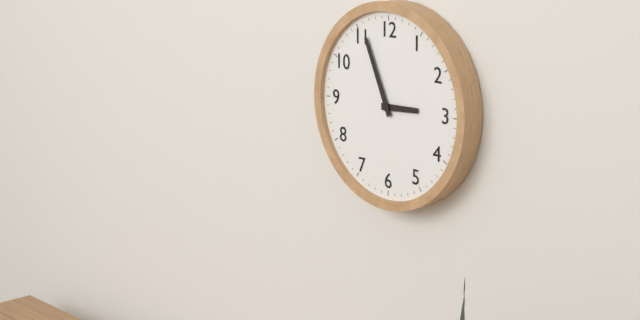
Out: **2:56**
